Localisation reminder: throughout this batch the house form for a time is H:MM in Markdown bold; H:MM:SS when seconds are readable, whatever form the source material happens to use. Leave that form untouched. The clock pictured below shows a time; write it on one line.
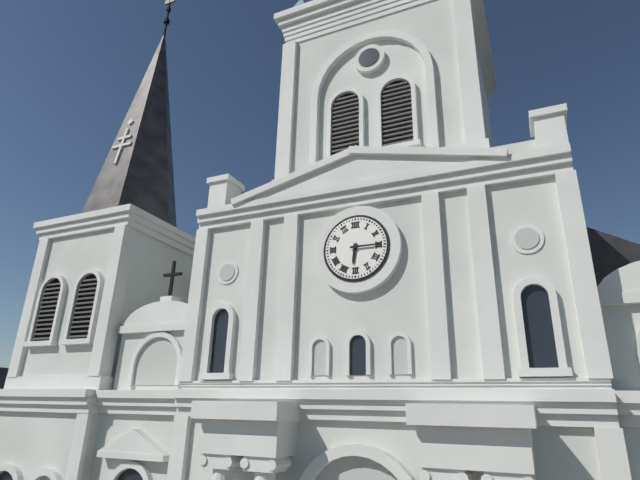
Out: **6:15**
